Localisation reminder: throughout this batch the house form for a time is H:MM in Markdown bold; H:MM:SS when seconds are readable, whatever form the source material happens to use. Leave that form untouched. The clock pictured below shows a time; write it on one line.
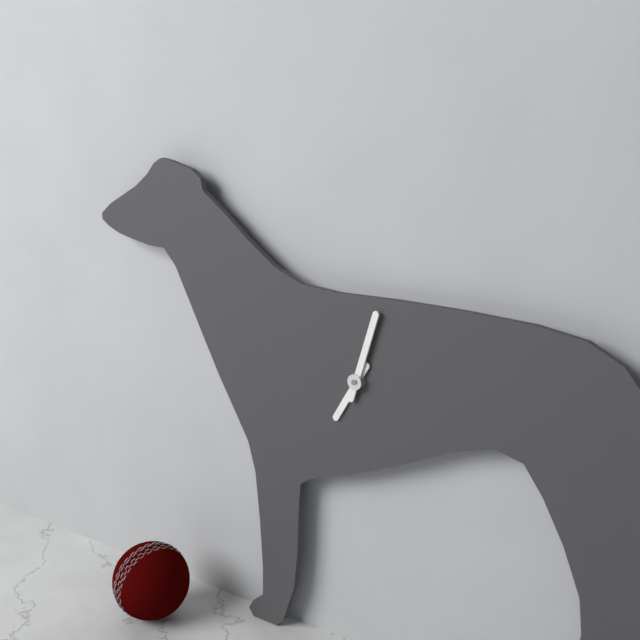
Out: **7:03**
